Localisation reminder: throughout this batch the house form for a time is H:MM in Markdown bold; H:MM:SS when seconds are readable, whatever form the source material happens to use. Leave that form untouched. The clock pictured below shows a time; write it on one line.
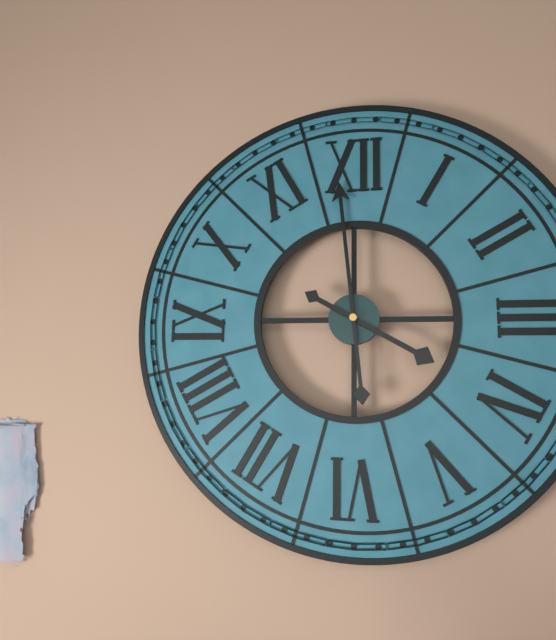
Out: **3:59**
